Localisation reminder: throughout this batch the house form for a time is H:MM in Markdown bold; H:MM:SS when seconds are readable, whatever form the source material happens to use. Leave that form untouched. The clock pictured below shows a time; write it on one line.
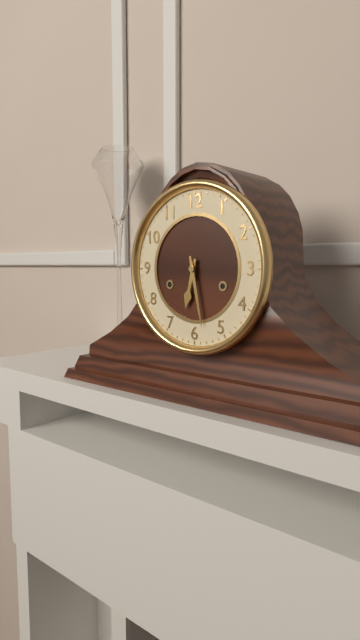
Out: **6:28**
